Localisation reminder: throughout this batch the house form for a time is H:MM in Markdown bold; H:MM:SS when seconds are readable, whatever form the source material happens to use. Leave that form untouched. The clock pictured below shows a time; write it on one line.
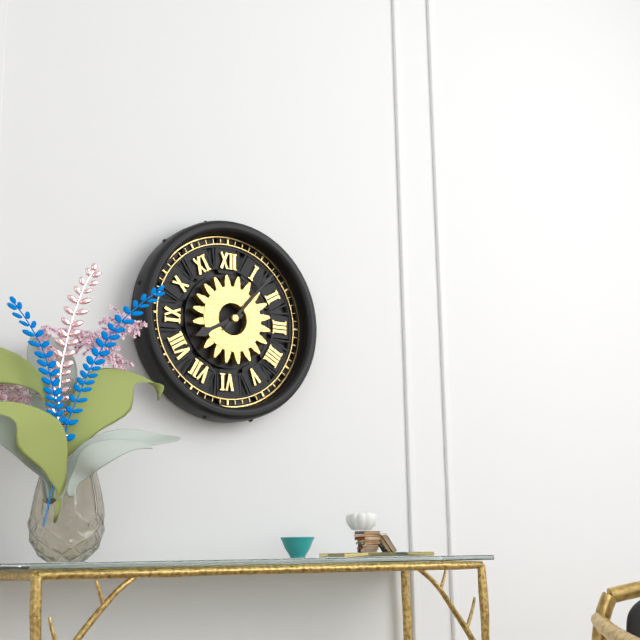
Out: **8:07**
